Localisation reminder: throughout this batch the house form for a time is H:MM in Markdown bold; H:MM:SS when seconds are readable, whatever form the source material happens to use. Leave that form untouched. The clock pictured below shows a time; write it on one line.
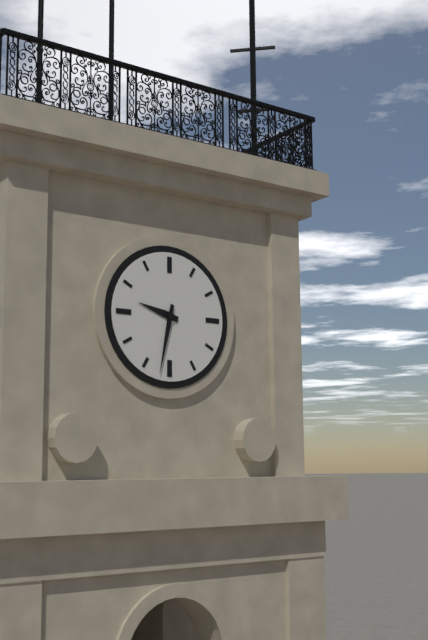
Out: **9:32**
